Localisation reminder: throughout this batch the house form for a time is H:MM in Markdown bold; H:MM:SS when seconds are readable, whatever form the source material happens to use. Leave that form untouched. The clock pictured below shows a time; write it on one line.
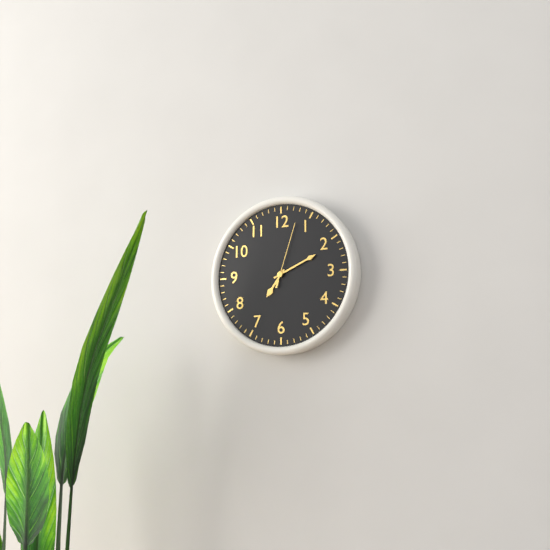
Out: **7:11:03**
